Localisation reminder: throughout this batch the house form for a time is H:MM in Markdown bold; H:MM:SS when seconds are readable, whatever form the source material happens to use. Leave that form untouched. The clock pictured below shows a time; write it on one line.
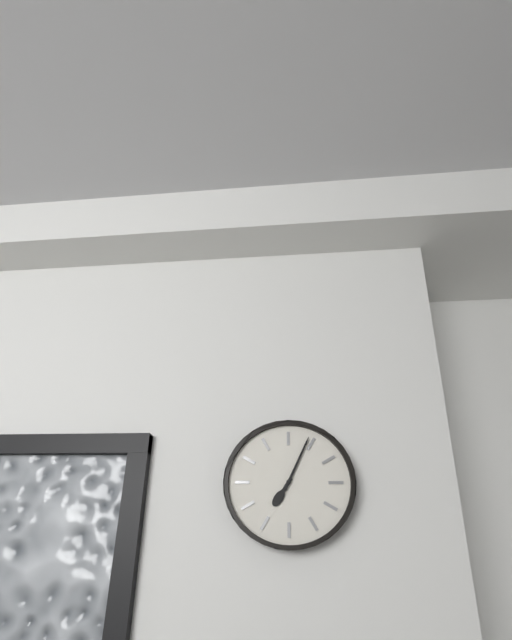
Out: **7:04**
